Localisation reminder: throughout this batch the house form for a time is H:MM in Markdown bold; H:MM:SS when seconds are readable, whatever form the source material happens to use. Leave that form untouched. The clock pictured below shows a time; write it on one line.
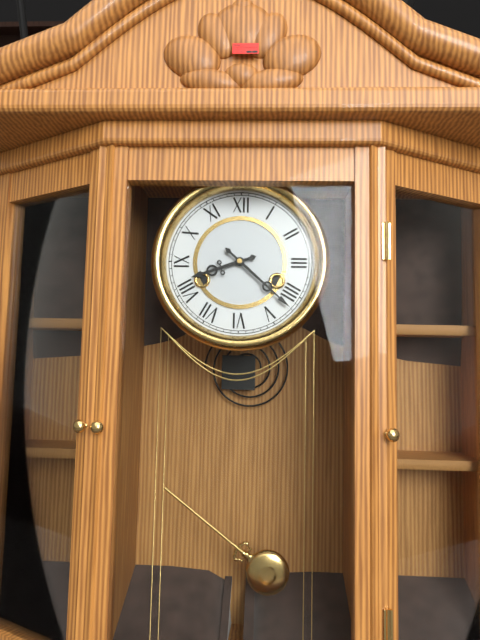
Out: **8:22**
